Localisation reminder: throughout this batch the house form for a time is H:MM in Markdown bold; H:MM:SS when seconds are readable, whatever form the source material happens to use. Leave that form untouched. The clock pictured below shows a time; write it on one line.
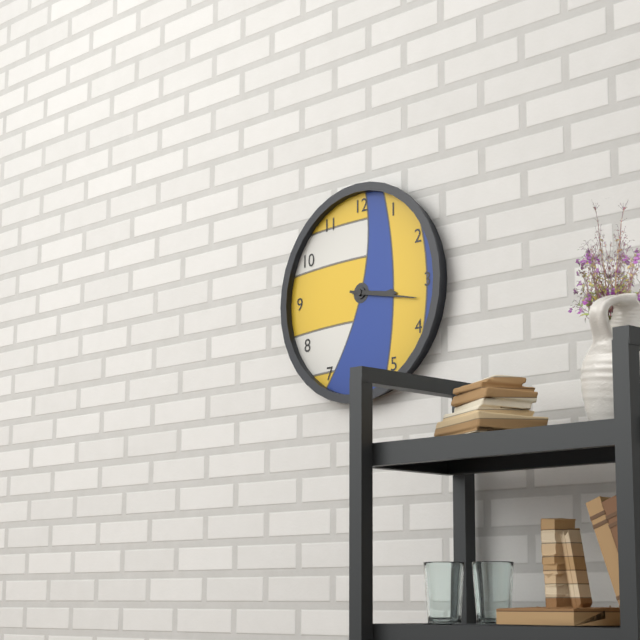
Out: **3:17**
